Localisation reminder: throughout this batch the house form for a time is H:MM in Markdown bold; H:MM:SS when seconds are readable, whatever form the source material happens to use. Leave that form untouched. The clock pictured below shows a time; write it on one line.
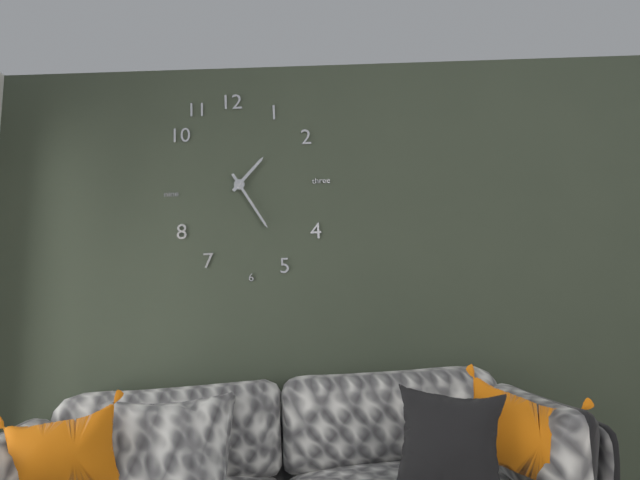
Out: **1:25**
